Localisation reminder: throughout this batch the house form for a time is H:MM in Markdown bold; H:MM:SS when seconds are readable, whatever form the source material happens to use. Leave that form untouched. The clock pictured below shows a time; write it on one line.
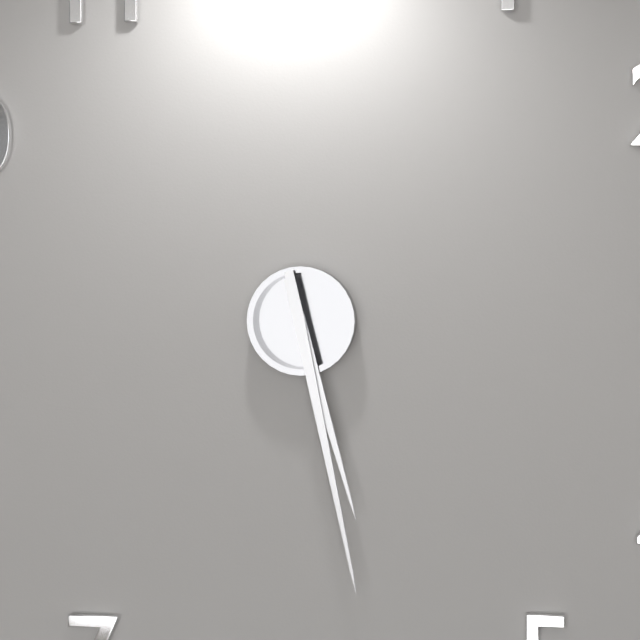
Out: **5:28**
